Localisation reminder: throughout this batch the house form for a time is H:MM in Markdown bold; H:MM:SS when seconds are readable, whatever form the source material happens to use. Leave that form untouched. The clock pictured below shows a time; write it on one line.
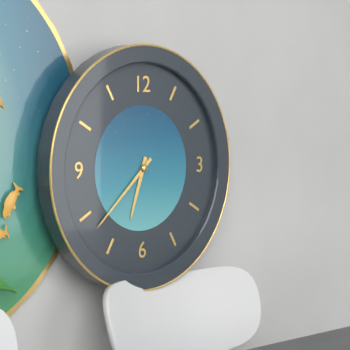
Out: **6:38**
